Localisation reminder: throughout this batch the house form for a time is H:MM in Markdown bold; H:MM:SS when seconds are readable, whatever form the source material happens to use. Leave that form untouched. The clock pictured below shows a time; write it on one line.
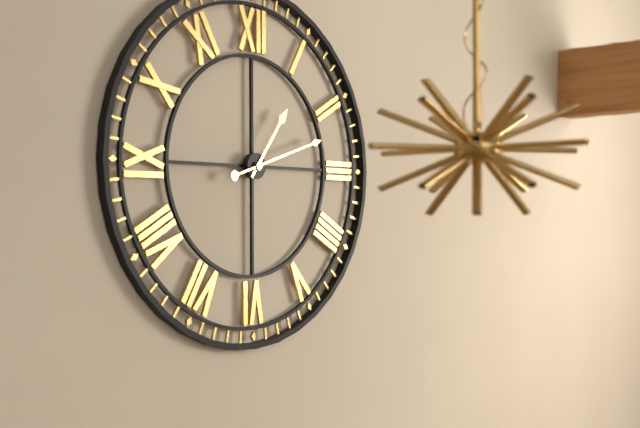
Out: **1:12**
